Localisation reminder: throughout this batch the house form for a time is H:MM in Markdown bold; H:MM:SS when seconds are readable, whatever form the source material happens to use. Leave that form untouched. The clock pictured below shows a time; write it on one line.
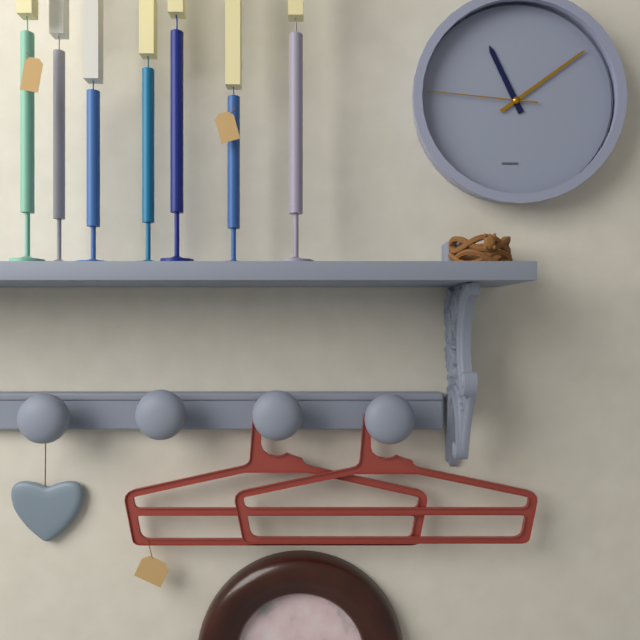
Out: **11:09:46**
